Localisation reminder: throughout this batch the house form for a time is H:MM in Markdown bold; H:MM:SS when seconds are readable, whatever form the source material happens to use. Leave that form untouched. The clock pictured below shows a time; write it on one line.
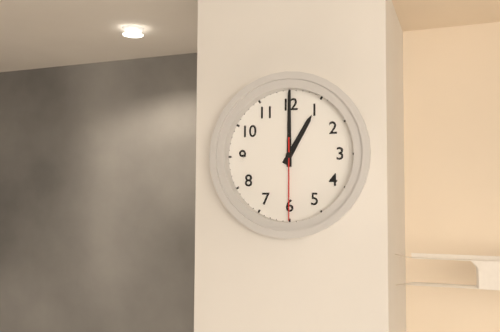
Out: **1:00:30**
